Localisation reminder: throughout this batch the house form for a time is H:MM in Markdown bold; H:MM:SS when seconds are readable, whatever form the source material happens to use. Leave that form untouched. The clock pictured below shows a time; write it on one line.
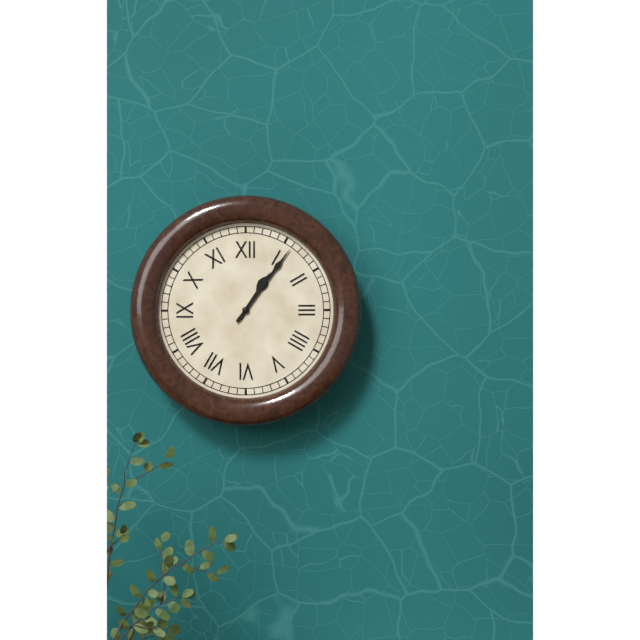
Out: **1:06**
